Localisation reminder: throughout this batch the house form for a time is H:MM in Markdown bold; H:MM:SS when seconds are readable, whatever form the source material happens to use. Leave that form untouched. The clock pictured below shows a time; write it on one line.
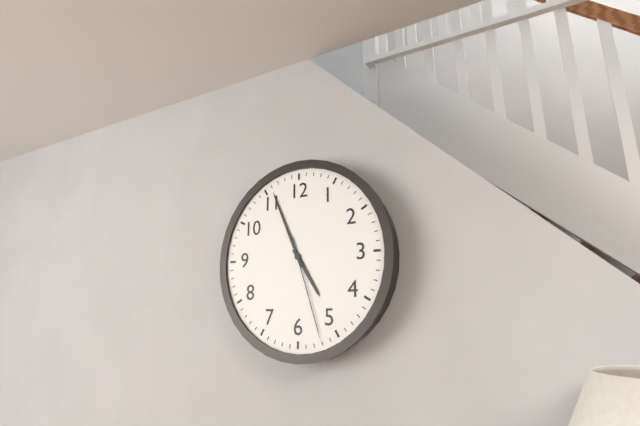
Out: **4:56:27**
